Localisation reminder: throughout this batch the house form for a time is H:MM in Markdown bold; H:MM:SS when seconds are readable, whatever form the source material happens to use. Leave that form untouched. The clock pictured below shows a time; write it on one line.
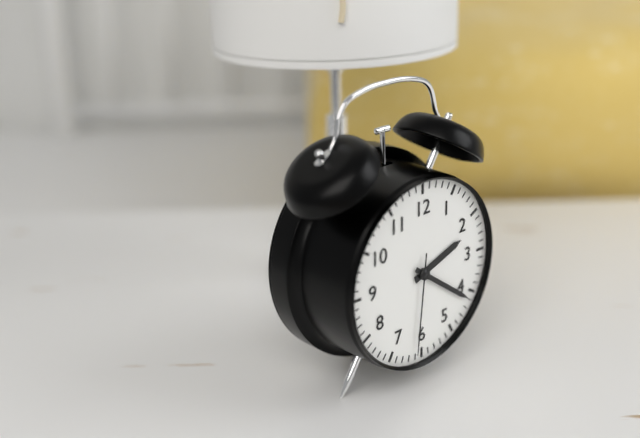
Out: **2:21:31**
